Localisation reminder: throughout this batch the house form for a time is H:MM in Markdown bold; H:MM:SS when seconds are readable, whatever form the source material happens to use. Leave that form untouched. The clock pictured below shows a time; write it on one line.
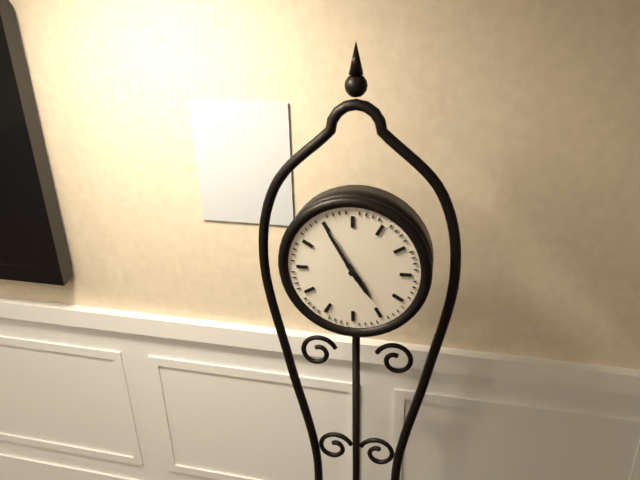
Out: **4:55**
